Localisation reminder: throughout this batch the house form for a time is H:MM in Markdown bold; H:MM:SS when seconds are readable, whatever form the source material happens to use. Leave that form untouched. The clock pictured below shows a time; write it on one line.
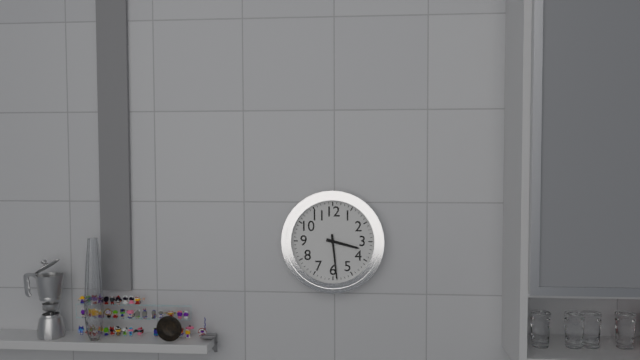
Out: **3:29**
